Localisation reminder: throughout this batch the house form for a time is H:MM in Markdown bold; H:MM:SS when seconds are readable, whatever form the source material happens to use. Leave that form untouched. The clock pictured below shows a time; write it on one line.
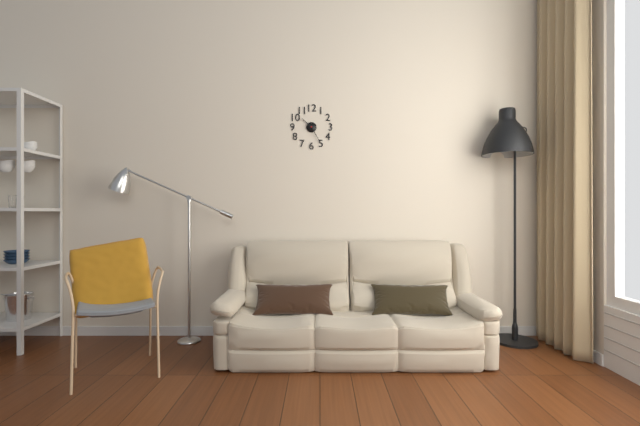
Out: **10:25**
